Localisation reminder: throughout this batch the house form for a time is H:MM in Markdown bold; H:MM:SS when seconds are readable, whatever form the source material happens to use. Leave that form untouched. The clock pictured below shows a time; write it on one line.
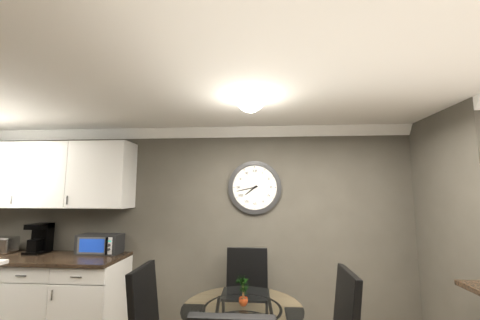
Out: **7:43**
